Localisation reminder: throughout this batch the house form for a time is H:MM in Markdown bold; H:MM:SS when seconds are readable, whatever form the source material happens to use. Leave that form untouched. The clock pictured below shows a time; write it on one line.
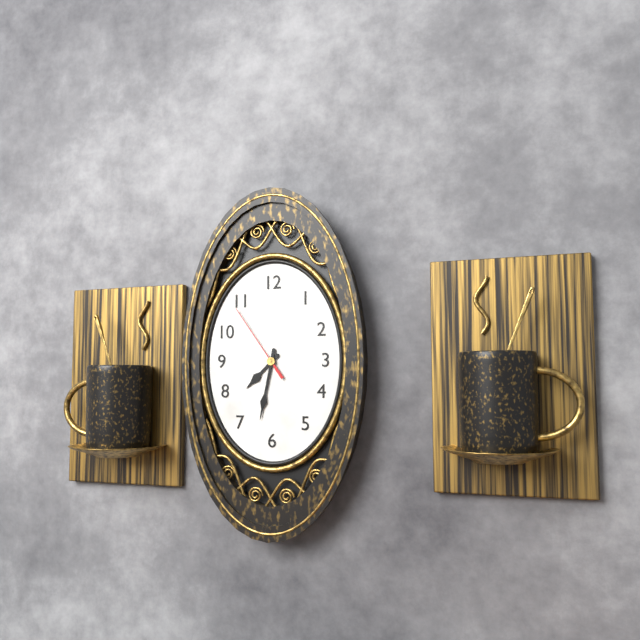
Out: **7:32:54**
